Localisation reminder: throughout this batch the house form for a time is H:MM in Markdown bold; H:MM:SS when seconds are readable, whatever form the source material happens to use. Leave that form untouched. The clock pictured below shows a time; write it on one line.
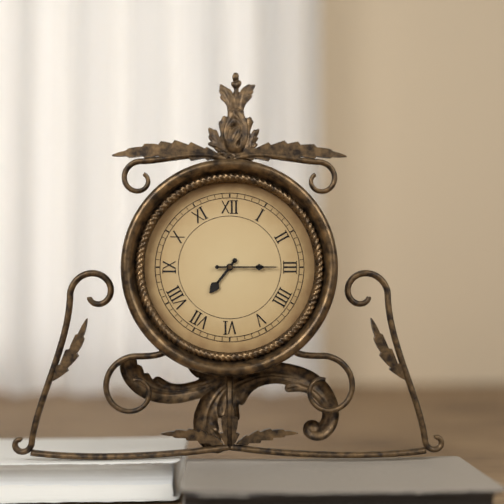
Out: **7:15**
